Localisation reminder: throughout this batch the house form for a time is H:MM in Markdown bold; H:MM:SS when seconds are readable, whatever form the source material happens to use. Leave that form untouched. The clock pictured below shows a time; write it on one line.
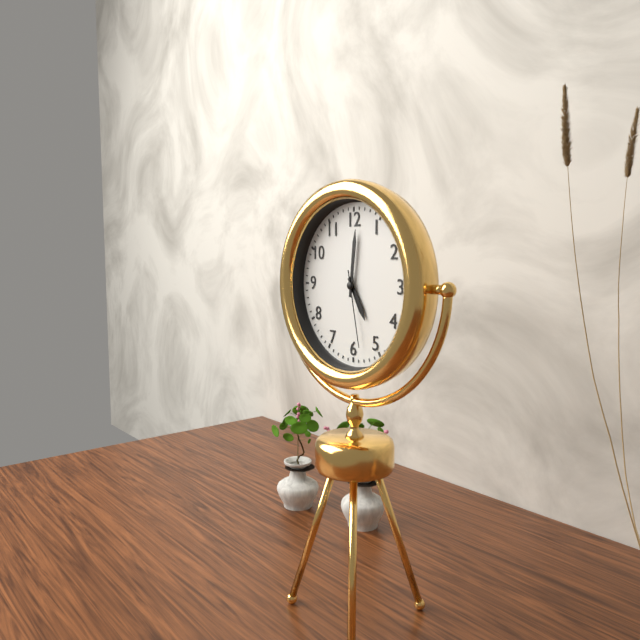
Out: **5:01:28**
